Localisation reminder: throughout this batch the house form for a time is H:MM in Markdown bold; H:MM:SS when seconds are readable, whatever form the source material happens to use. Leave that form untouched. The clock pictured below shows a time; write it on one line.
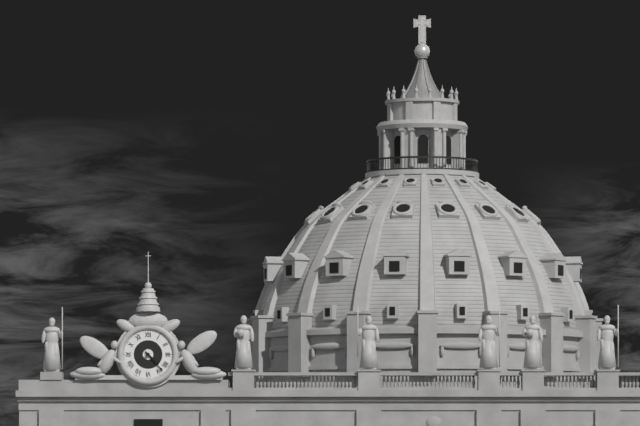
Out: **4:23**
